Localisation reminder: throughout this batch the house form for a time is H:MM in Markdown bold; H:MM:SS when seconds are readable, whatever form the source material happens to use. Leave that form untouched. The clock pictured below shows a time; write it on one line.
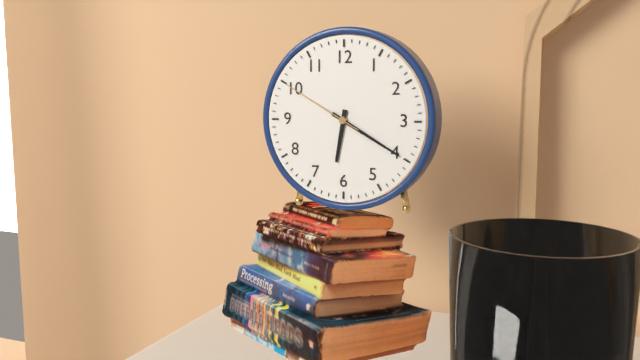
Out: **6:20:50**
